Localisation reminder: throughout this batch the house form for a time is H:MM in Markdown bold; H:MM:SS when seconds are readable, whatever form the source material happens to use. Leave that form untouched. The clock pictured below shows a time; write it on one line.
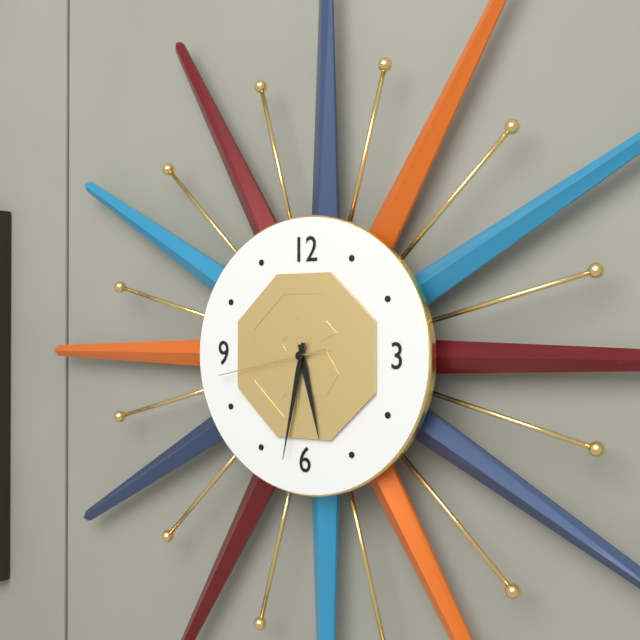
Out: **5:32:43**
